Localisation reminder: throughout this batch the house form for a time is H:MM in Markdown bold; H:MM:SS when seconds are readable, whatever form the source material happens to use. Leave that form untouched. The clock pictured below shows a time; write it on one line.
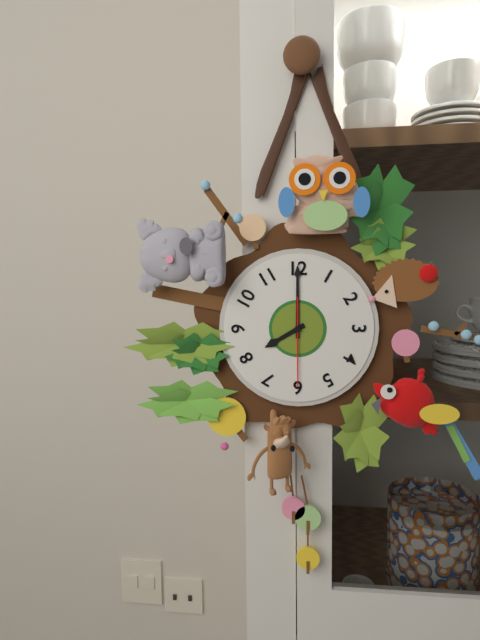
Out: **8:00:30**
